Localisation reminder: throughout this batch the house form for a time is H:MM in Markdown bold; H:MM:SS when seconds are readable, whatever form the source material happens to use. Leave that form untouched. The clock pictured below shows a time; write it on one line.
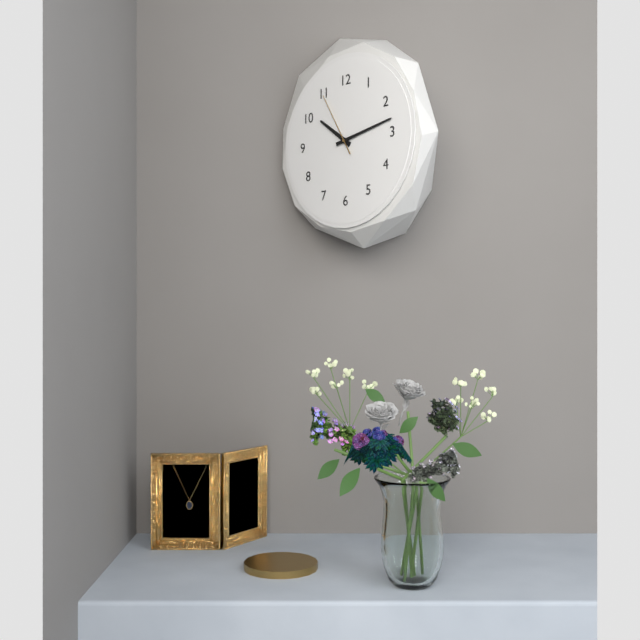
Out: **10:13:55**
